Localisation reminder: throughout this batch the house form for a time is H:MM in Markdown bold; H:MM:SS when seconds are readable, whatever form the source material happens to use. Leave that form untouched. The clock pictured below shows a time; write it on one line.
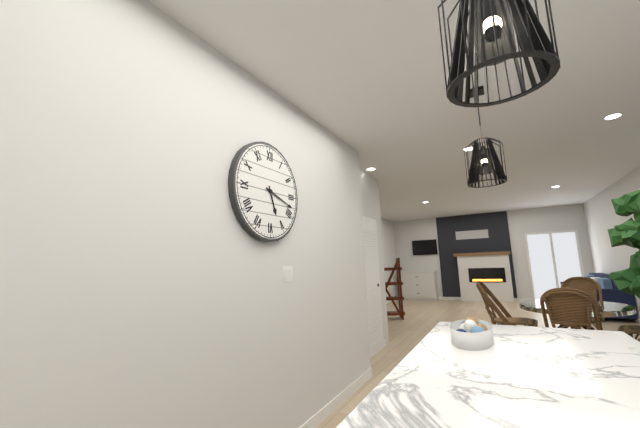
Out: **5:18**
